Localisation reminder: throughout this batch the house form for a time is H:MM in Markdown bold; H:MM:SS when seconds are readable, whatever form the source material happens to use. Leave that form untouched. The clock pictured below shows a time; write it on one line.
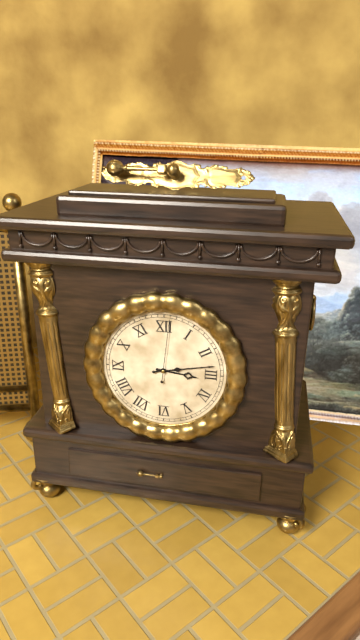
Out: **3:13:01**
